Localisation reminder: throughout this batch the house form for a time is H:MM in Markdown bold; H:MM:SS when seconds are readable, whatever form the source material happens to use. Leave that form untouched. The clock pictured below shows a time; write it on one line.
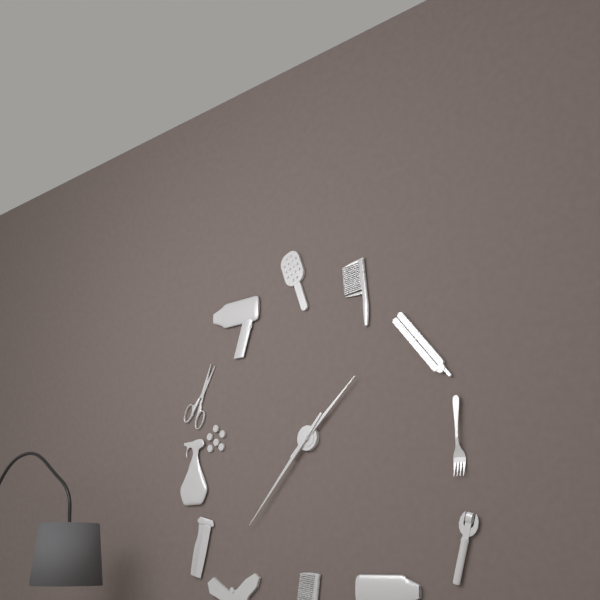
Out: **1:37**
